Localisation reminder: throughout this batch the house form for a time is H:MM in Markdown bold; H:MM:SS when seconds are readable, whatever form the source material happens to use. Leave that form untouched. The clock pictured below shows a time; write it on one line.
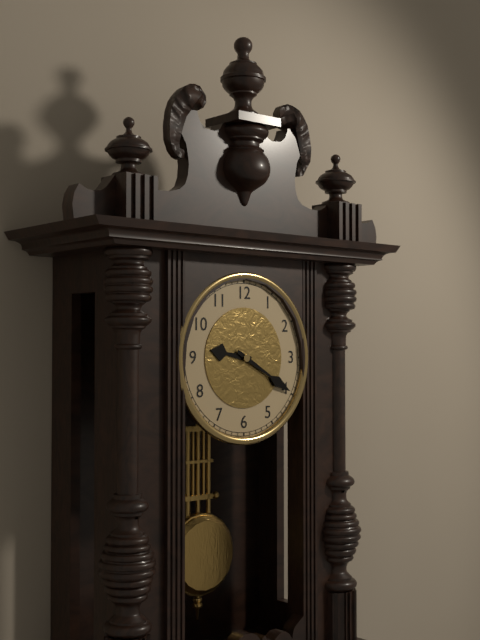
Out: **9:20**
